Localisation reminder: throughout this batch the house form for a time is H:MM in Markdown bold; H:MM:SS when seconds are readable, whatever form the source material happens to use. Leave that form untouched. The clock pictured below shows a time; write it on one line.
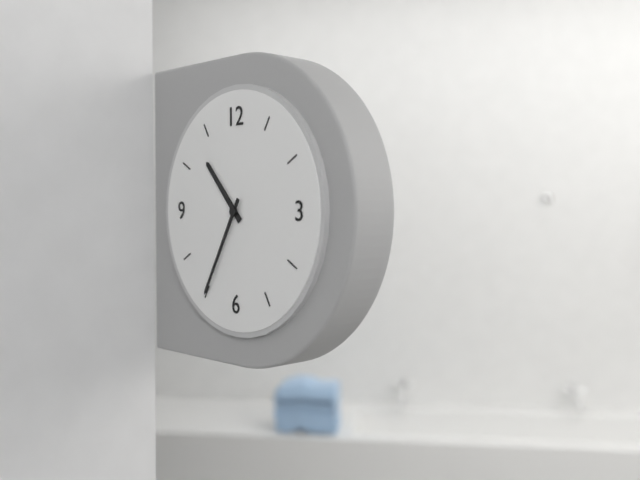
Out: **10:35**
